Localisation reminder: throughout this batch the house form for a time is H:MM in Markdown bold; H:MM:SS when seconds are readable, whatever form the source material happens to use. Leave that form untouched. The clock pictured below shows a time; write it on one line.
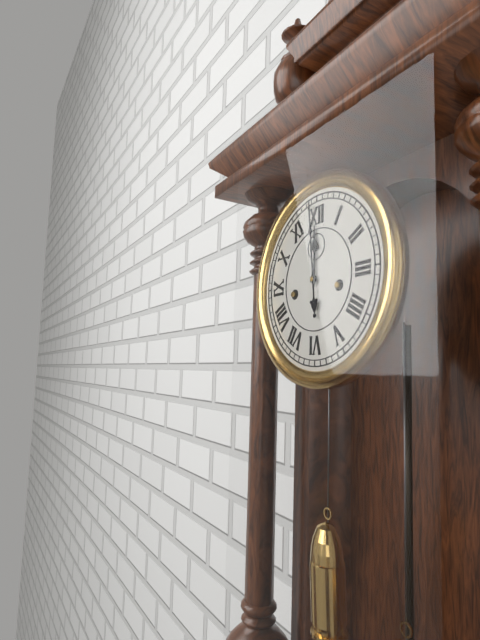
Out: **11:59**
